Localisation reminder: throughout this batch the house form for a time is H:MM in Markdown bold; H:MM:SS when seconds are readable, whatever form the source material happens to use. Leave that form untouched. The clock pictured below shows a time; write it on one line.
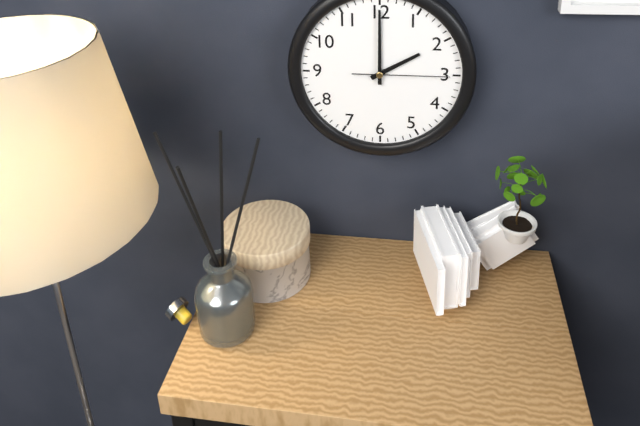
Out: **2:00:15**
